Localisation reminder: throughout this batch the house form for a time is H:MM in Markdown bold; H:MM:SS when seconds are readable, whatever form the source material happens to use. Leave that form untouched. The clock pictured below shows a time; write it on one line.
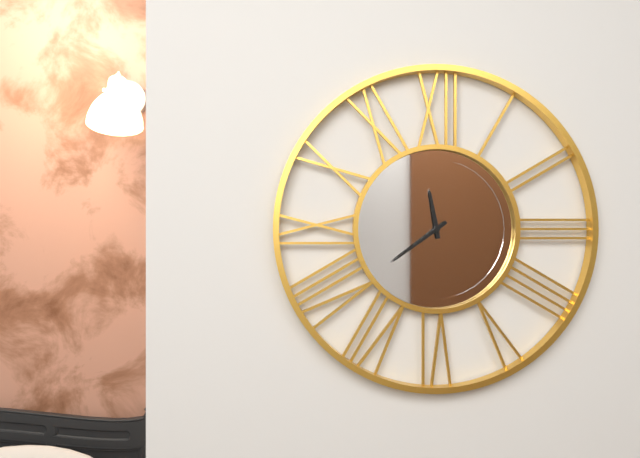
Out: **11:39**
